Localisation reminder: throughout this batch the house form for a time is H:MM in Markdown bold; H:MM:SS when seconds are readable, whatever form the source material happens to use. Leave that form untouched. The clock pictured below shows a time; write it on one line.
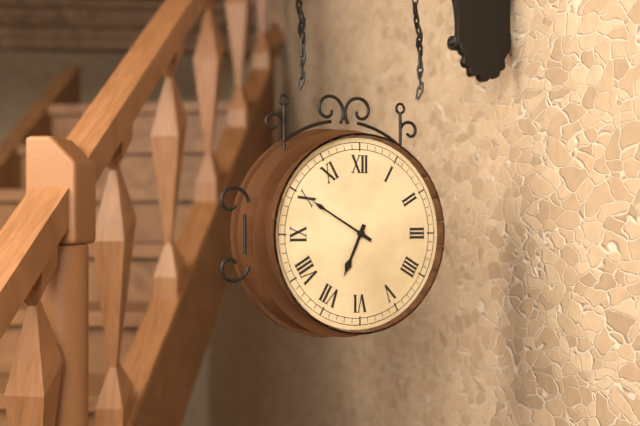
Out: **6:50**
